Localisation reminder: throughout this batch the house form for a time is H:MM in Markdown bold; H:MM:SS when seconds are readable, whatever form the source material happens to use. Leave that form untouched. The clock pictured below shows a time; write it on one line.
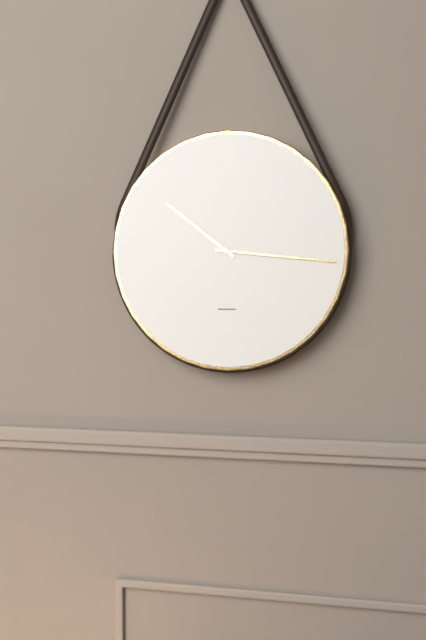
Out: **10:16**
